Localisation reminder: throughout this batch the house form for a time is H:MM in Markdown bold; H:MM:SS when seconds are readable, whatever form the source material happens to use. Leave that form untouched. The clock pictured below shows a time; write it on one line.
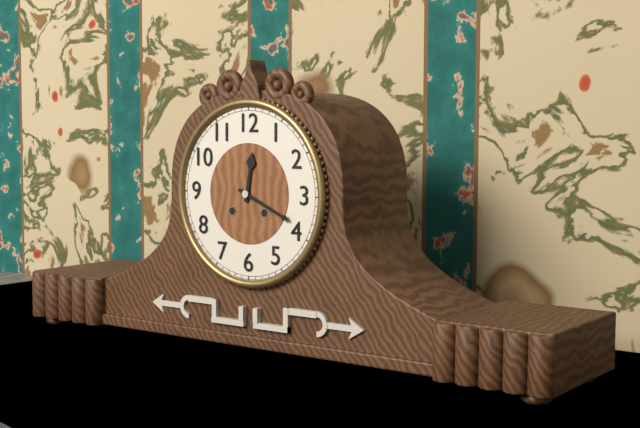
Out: **12:19**
